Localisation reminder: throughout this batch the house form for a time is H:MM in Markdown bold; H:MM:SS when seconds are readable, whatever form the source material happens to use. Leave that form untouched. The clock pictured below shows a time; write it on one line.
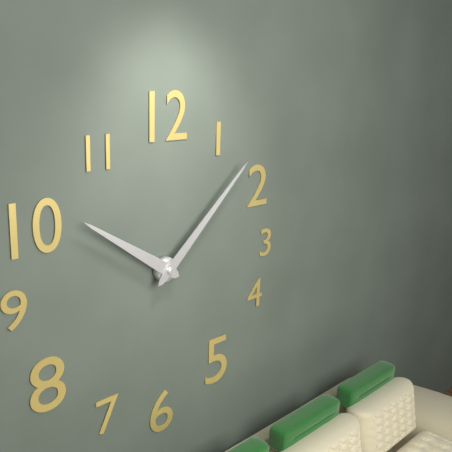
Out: **10:08**
